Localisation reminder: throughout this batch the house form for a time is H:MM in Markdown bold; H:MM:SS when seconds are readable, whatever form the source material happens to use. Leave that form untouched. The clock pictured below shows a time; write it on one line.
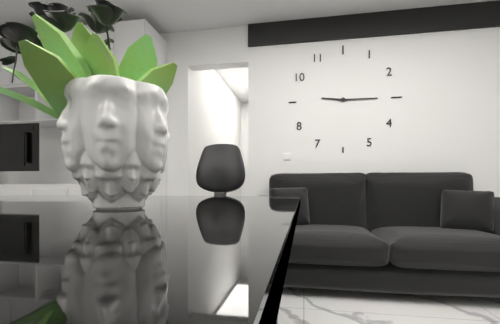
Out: **9:15**
